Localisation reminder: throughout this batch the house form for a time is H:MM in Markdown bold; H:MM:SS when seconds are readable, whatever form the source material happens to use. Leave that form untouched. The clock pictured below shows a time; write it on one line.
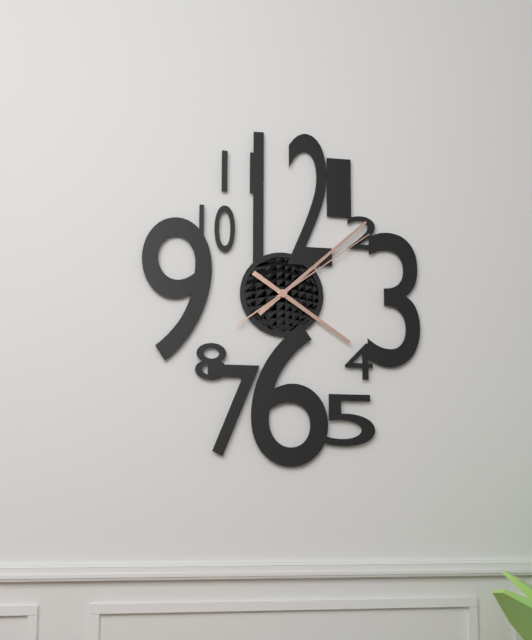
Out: **4:08:09**
